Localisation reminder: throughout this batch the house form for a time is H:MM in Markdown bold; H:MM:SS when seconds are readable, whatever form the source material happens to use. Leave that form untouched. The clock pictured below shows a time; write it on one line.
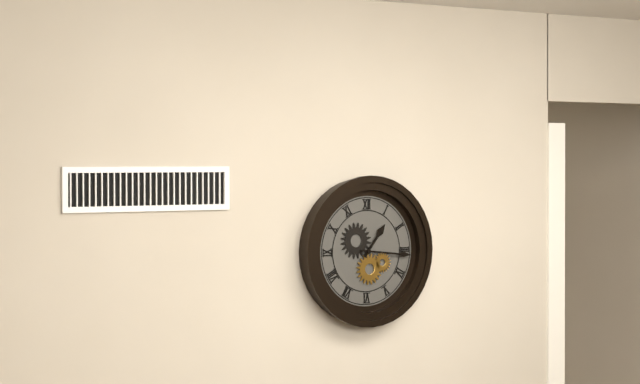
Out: **1:16**
